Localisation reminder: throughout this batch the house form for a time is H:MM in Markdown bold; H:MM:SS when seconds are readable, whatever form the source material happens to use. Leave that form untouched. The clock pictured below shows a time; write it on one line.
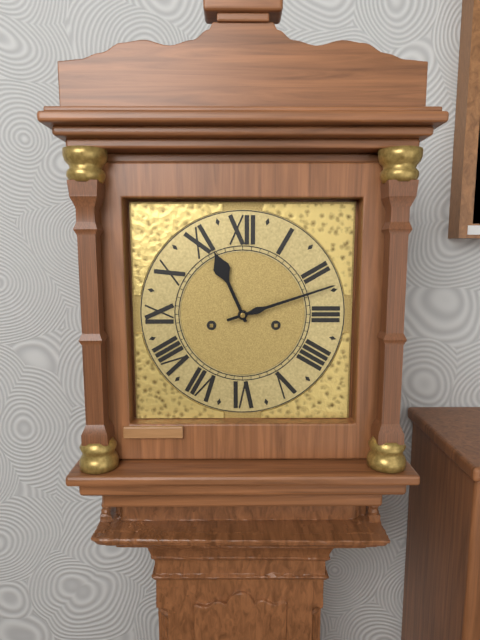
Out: **11:12**
